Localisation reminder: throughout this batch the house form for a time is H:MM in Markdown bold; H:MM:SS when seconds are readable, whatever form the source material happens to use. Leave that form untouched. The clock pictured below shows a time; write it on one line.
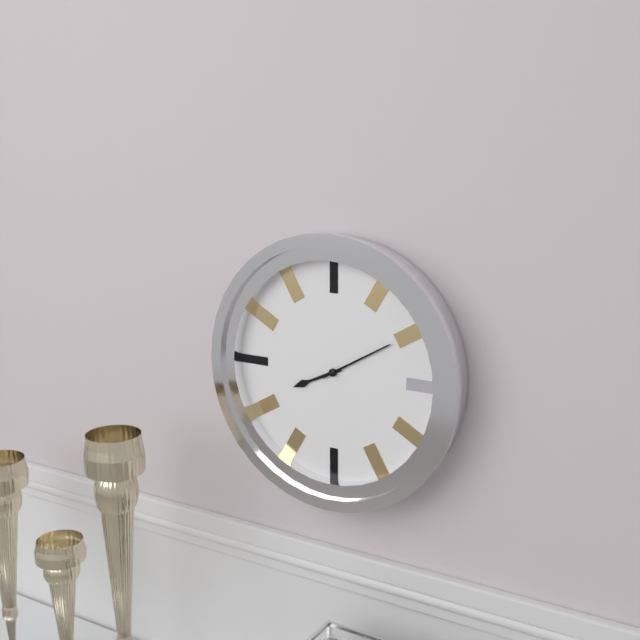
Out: **8:10**
